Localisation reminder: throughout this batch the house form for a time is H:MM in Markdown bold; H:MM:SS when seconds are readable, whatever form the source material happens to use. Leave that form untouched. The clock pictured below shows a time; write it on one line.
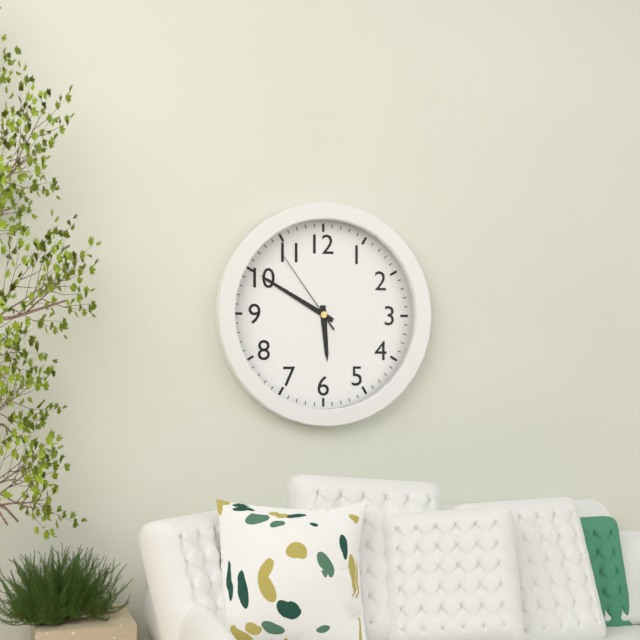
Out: **5:50:54**
